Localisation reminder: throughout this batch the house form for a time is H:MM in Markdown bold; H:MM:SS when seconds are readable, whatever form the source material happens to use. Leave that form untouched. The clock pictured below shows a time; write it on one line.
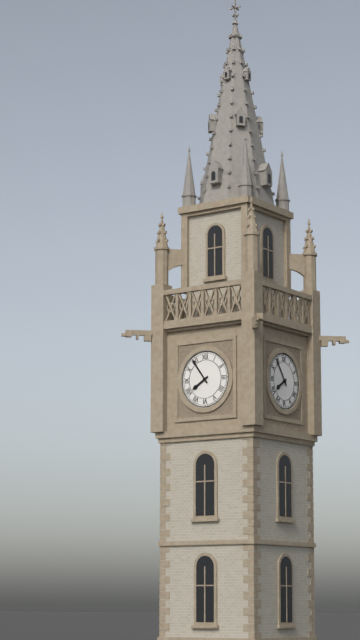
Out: **7:54**
